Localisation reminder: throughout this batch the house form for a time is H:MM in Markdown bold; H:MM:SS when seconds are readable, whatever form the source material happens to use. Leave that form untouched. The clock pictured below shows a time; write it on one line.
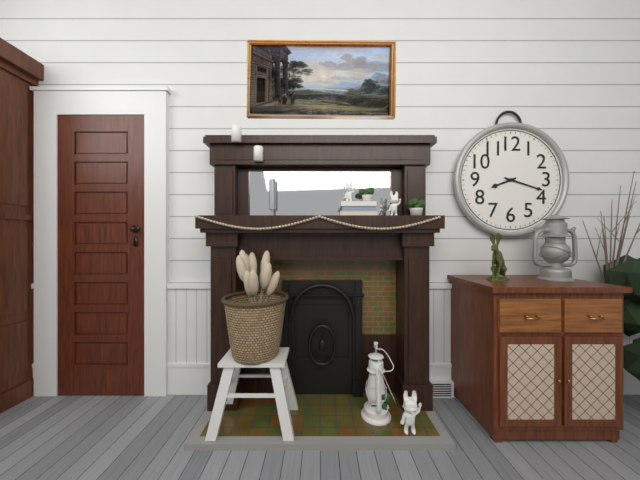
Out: **8:18**
